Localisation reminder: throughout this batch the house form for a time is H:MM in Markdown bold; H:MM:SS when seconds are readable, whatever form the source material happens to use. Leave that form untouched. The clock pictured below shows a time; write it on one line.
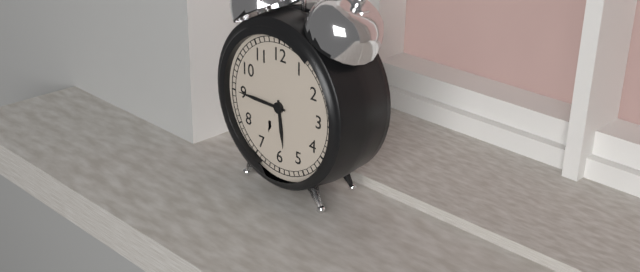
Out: **5:45**
